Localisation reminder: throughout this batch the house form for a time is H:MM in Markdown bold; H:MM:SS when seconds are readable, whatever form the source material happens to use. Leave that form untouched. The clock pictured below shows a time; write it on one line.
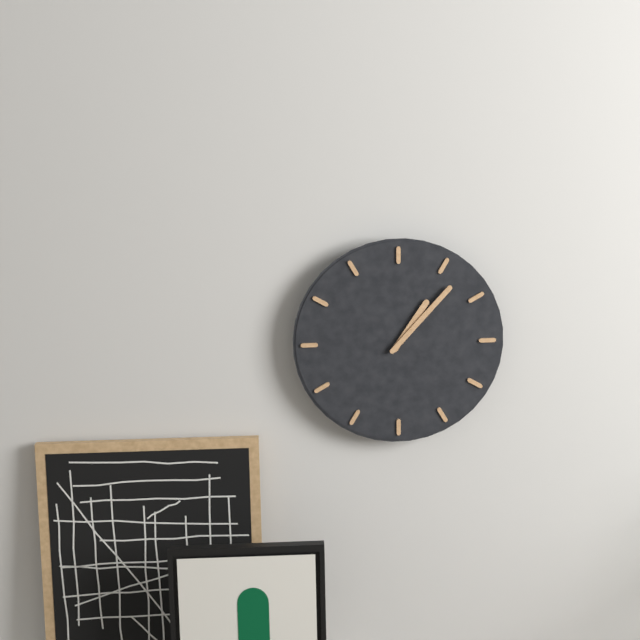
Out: **1:07**
